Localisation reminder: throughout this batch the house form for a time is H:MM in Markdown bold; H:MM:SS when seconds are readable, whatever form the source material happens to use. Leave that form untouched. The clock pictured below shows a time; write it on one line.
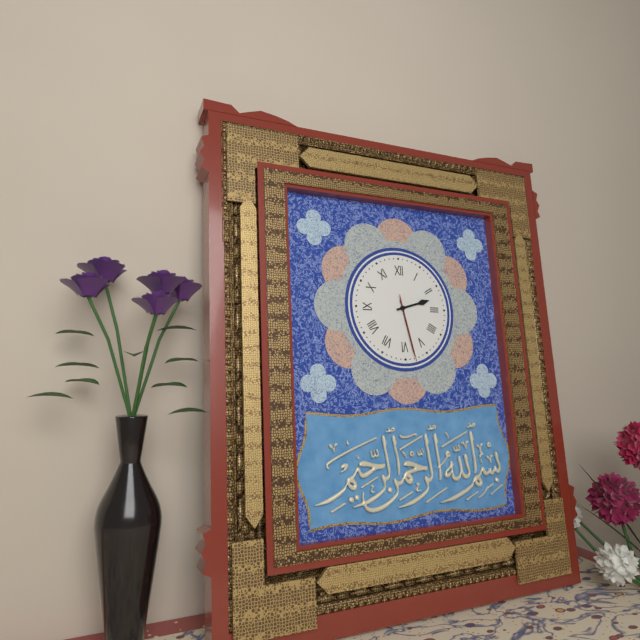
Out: **2:28:28**
